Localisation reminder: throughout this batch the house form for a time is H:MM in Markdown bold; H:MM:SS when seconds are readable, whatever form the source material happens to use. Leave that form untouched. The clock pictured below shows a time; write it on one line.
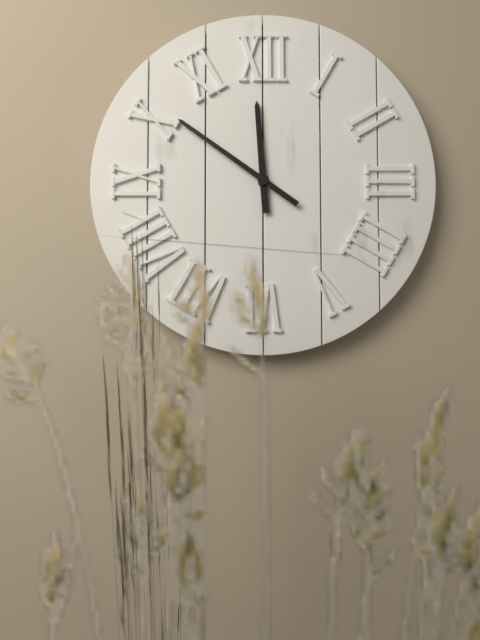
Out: **11:51**
